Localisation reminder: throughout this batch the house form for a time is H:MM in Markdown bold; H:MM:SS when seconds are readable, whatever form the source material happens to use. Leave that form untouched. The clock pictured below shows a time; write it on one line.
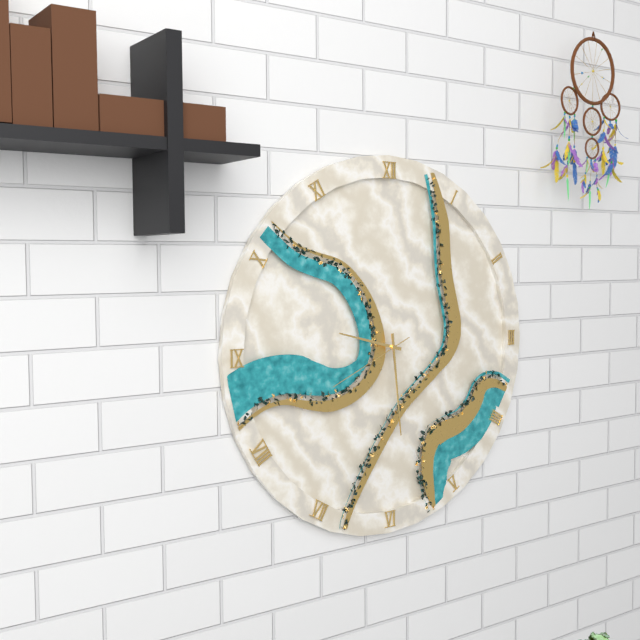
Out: **9:29:41**
